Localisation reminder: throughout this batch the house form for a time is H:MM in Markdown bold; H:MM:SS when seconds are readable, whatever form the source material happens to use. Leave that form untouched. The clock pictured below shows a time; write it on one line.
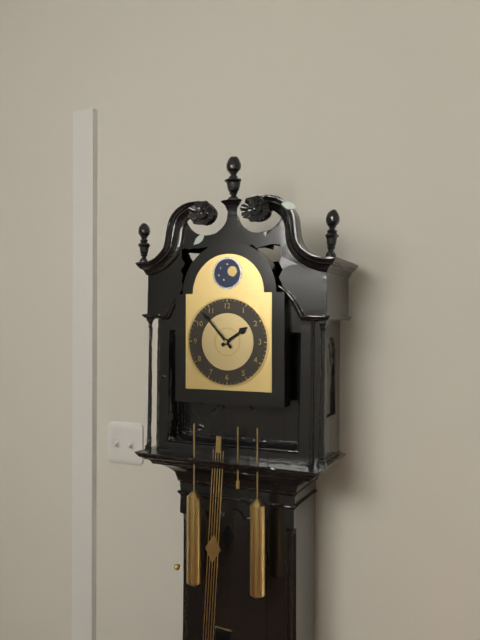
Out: **1:53**
